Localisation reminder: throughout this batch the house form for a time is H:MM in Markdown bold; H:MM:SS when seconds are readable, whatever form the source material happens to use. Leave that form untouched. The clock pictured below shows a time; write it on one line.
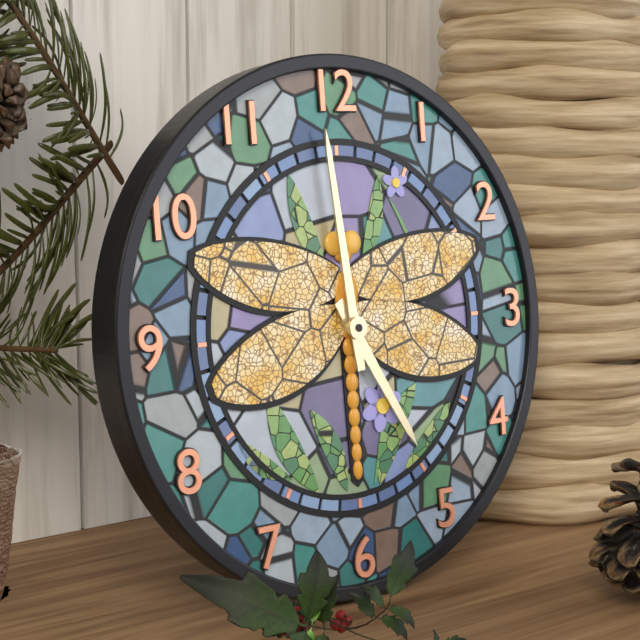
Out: **4:59**
